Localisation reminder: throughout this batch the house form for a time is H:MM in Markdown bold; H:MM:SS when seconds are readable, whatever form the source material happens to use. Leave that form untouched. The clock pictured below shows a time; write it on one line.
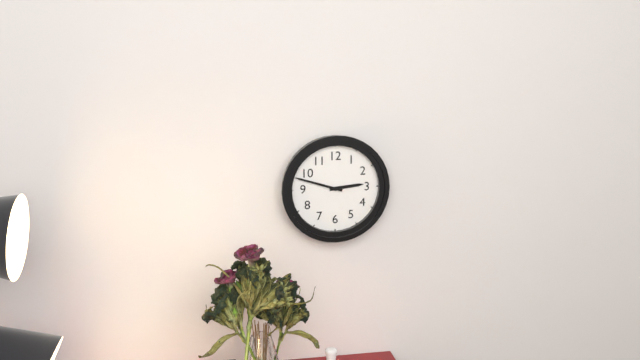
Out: **2:48**
